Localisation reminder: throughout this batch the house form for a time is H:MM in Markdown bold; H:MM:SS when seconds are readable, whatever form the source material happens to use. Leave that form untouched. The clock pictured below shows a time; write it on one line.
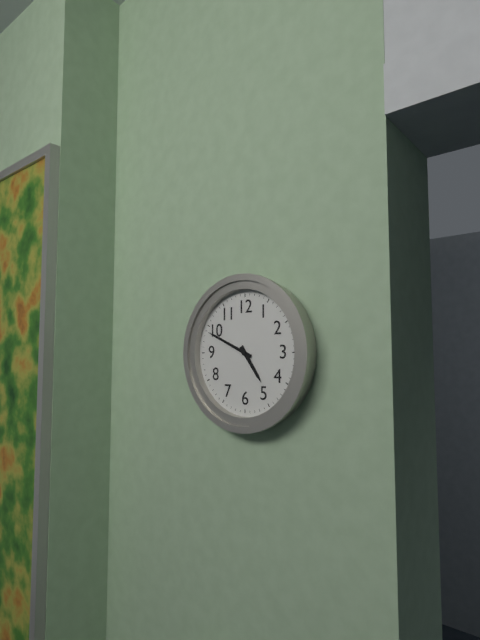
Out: **4:49**
